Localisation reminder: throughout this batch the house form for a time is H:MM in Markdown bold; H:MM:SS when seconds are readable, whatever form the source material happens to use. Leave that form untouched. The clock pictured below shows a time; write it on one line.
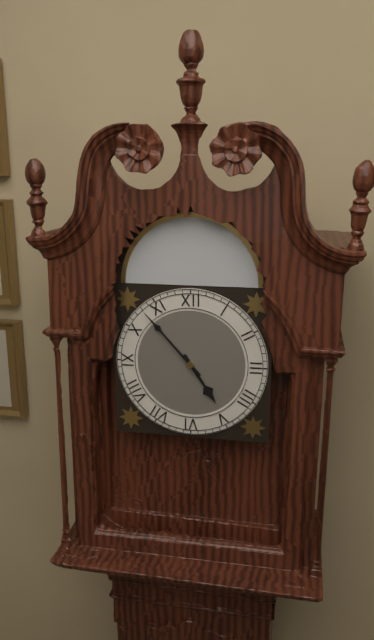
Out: **4:53**
